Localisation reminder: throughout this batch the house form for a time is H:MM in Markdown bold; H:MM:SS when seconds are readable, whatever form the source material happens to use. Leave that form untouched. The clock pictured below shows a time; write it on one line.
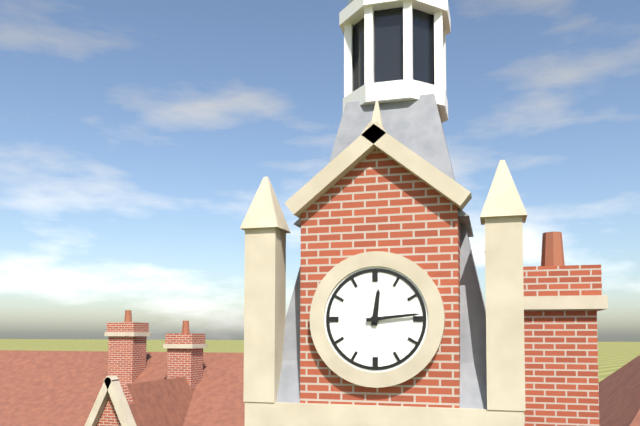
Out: **12:14**
